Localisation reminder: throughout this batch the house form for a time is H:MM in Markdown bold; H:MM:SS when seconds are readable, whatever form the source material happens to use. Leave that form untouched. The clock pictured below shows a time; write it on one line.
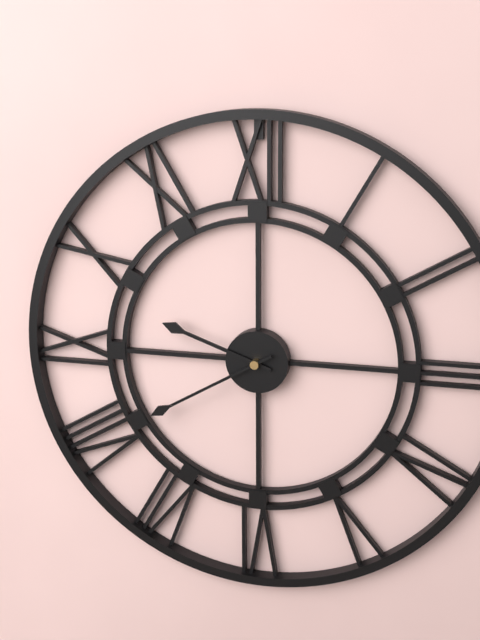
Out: **9:40**
